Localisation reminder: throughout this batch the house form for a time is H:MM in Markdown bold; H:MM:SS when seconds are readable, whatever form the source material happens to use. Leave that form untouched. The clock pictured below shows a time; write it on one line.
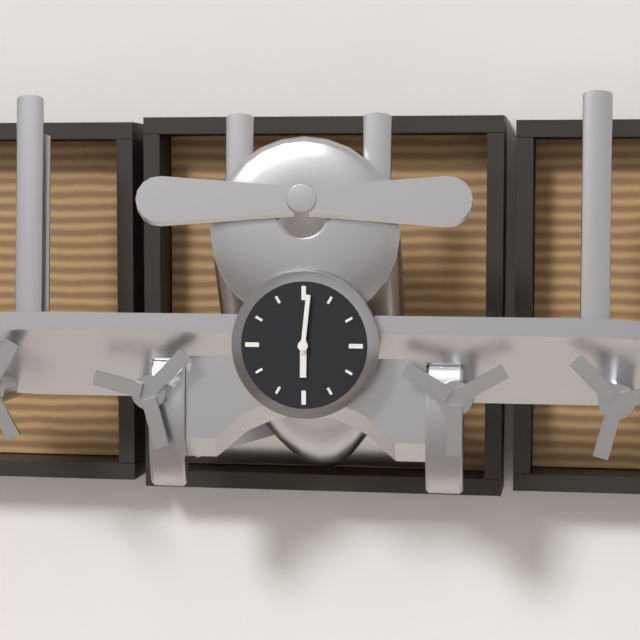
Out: **6:01**
